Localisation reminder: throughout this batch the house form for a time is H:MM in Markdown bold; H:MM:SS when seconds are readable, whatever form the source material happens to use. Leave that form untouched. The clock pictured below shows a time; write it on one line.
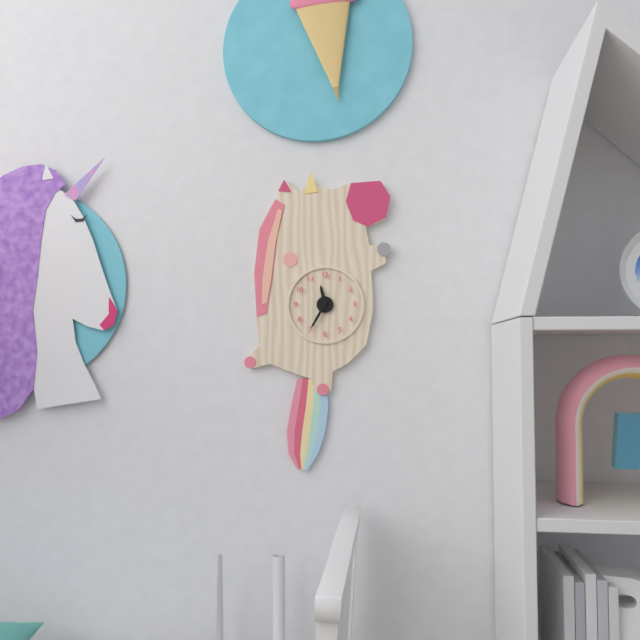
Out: **11:35**
